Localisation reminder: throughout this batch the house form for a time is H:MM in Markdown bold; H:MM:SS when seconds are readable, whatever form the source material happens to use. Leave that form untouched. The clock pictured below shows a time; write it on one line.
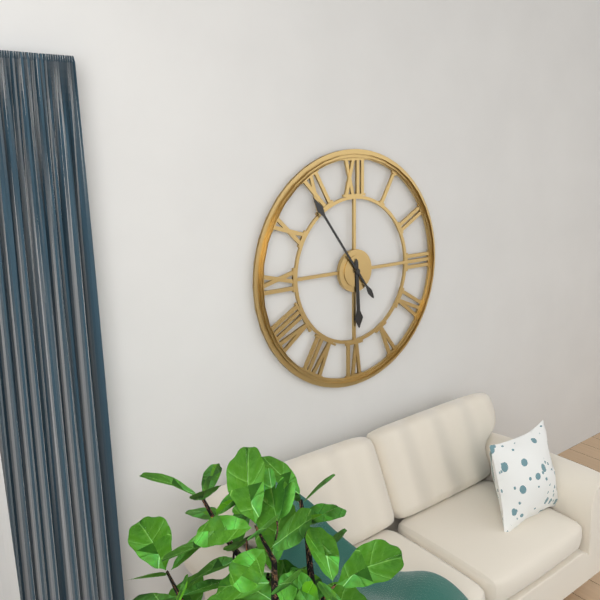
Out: **5:54**
